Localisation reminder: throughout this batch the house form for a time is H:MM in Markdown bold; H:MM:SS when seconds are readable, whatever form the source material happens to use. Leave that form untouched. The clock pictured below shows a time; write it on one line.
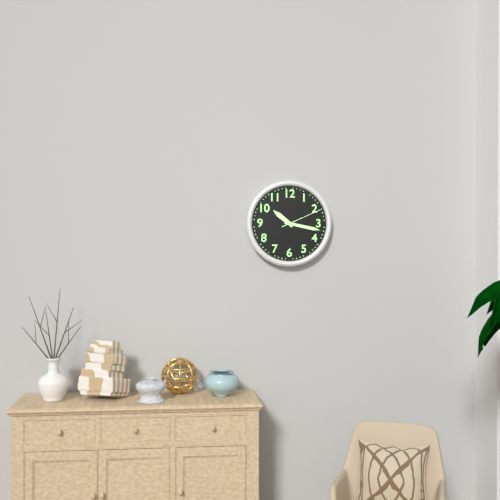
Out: **10:17**
